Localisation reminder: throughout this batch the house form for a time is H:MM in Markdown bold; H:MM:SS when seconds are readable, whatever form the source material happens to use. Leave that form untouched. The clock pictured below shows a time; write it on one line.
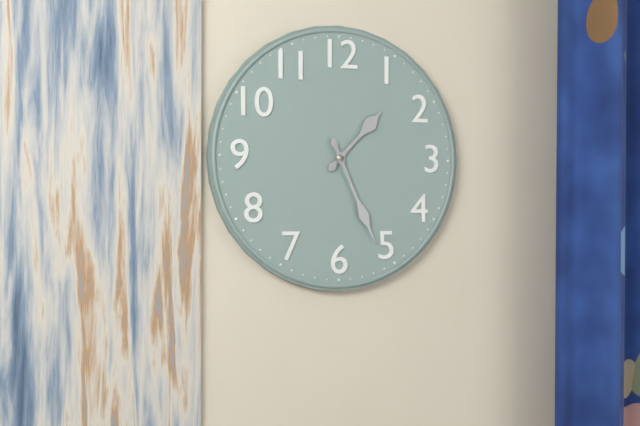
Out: **1:26**
